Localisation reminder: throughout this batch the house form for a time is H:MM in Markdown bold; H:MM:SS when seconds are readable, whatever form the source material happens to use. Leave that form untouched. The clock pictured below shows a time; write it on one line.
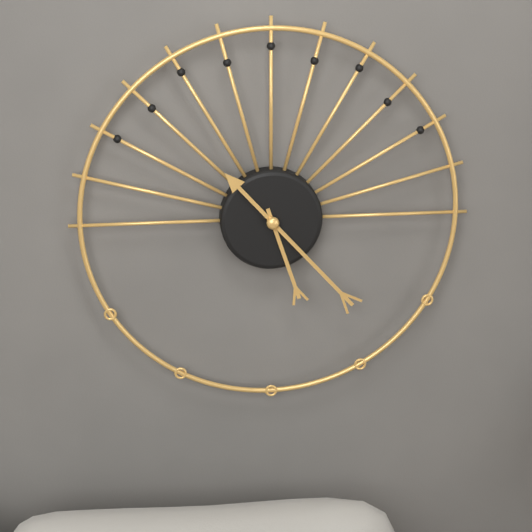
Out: **5:23**
